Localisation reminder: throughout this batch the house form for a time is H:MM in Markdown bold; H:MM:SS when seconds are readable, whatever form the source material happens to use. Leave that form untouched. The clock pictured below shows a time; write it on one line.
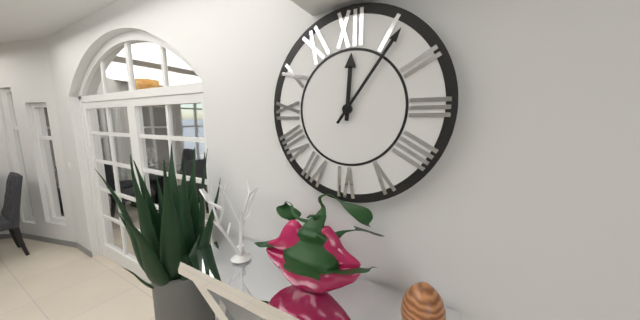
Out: **12:06**
